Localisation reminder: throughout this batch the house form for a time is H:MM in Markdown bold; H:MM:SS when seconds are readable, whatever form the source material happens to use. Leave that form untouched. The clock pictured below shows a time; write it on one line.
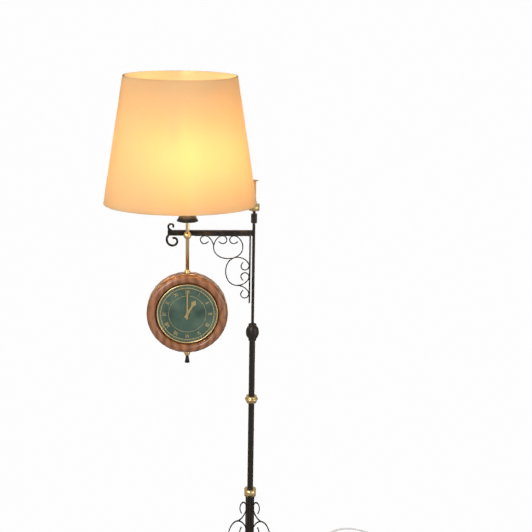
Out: **1:00**
